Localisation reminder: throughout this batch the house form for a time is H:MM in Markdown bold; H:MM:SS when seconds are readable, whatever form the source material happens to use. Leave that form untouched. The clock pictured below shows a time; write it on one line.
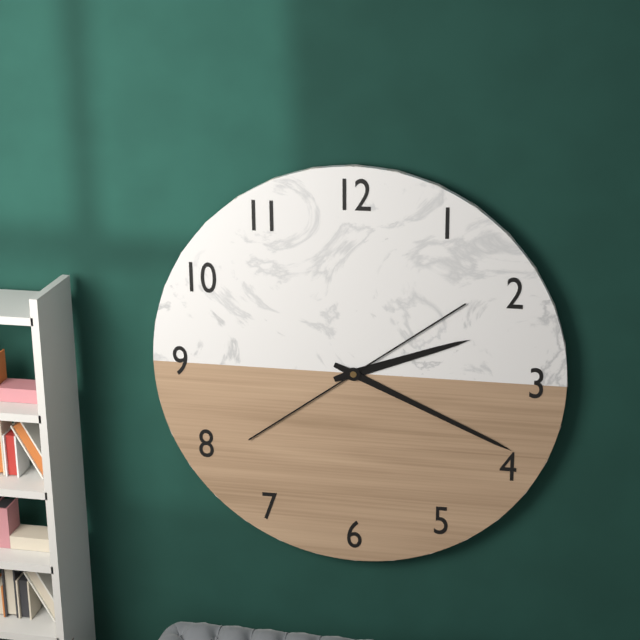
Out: **2:19**
